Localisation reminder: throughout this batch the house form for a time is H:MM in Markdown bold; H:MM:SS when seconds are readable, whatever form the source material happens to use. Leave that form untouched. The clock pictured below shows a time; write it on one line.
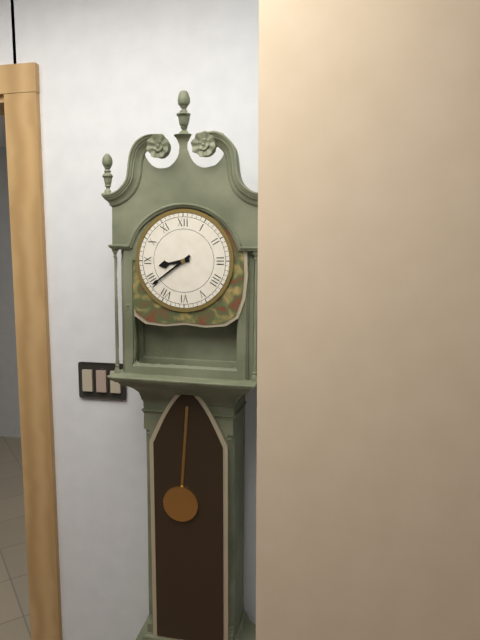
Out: **8:39**
